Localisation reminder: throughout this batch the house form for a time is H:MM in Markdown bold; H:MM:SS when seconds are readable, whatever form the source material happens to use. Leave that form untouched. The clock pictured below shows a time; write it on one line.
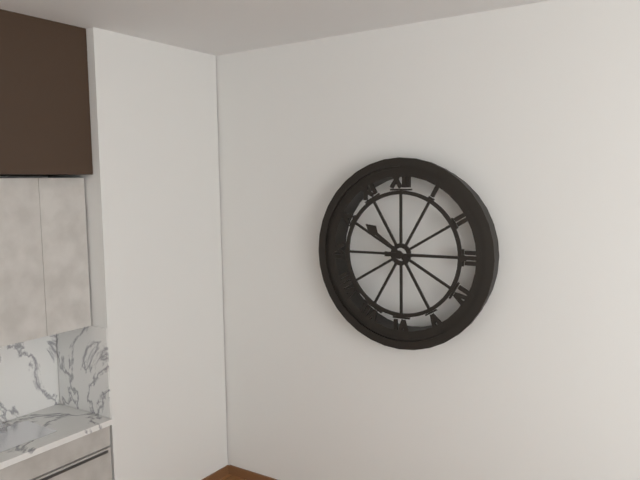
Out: **10:15**
